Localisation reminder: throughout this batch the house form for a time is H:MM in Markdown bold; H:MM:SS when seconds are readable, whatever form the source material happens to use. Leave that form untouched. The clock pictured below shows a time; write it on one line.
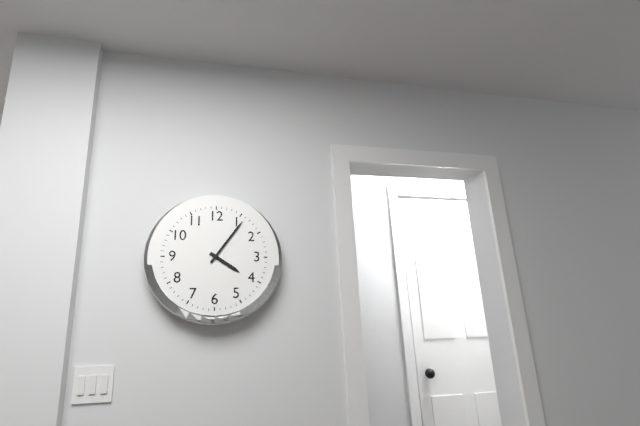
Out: **4:06**
